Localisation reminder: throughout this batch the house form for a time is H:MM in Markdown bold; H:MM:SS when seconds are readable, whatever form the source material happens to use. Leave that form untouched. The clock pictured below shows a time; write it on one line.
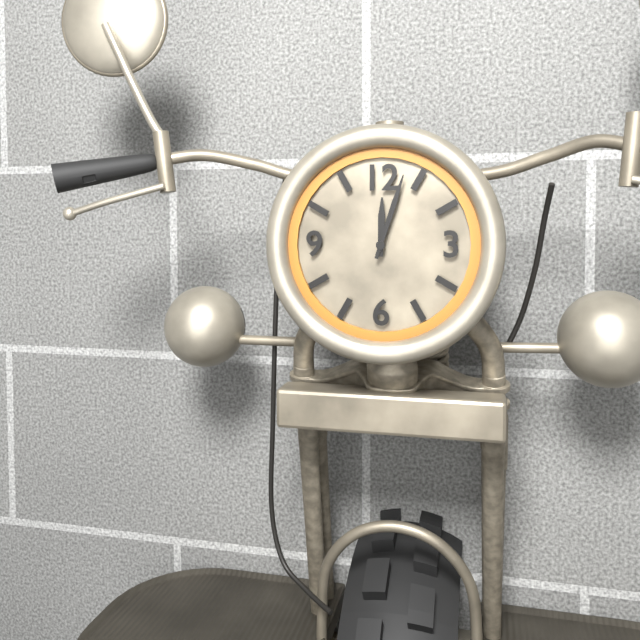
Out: **12:03**
